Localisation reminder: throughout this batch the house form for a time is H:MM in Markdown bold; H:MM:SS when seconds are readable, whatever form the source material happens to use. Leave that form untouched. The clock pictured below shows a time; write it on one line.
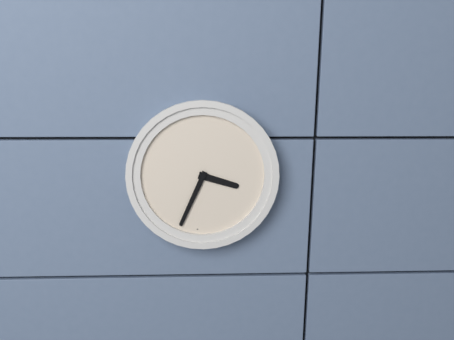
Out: **3:34**
